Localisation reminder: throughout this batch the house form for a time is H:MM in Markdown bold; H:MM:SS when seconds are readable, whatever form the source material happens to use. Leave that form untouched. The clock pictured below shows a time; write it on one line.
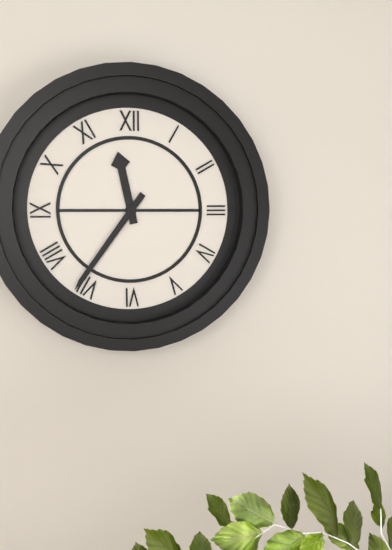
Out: **11:36**
